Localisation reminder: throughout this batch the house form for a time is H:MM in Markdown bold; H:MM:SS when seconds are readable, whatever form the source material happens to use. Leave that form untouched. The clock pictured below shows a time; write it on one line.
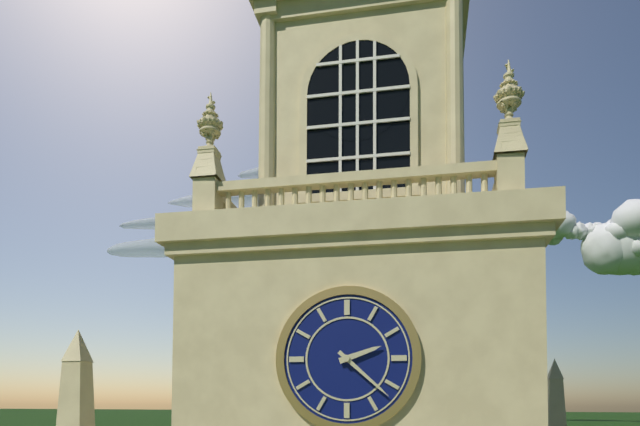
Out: **2:22**
